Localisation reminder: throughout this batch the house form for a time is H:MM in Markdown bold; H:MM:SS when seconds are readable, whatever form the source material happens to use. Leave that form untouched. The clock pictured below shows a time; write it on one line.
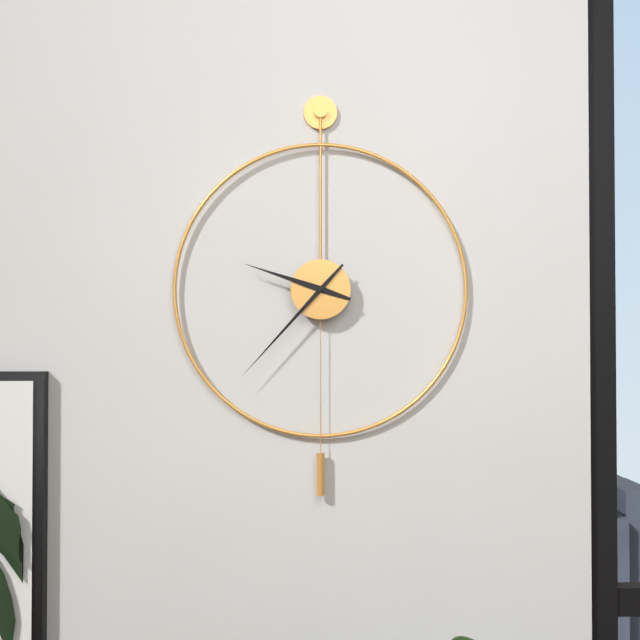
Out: **9:37**
